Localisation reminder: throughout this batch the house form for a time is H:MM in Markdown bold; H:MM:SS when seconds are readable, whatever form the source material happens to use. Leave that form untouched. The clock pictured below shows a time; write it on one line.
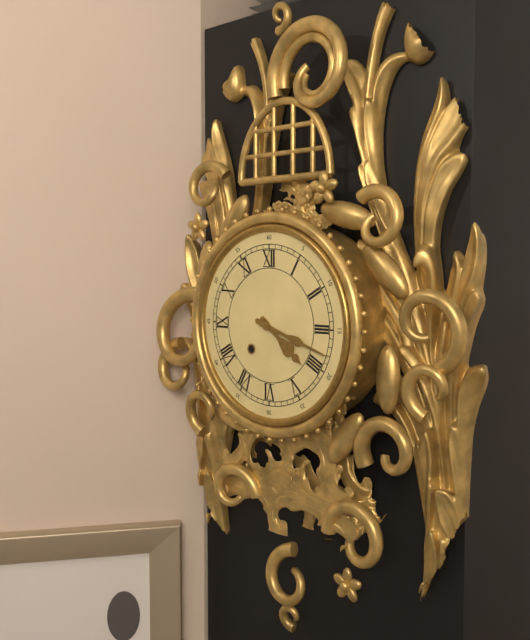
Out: **4:18**
